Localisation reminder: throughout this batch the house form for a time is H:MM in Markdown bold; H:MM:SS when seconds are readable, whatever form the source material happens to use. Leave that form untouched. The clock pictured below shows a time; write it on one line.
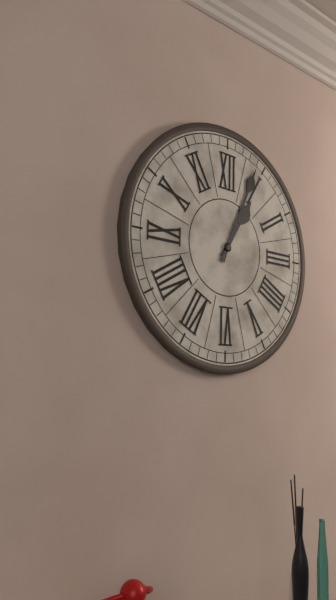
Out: **1:04**
